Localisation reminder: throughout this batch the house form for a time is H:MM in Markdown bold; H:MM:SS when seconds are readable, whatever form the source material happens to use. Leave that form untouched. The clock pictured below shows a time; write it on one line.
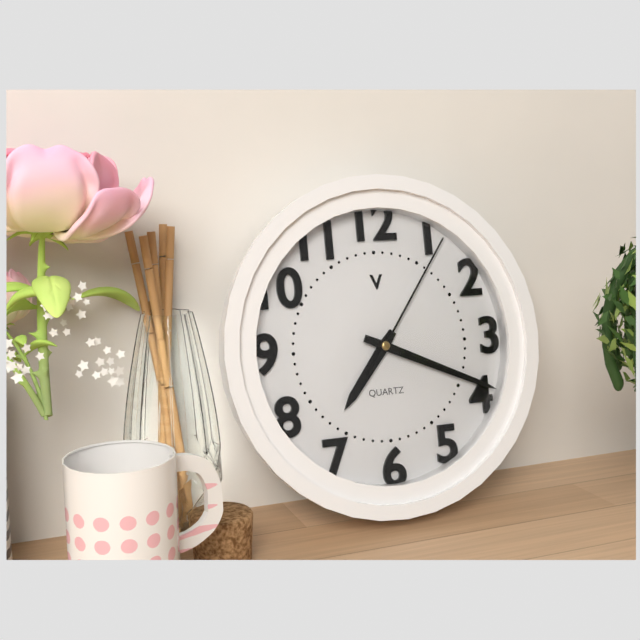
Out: **7:19:06**
